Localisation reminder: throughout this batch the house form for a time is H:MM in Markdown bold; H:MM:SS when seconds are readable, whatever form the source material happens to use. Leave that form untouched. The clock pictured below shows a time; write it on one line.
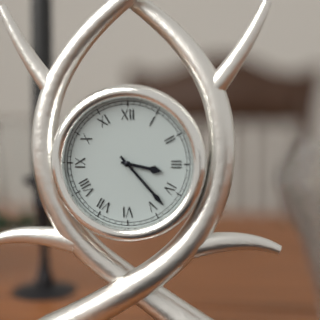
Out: **3:23**
